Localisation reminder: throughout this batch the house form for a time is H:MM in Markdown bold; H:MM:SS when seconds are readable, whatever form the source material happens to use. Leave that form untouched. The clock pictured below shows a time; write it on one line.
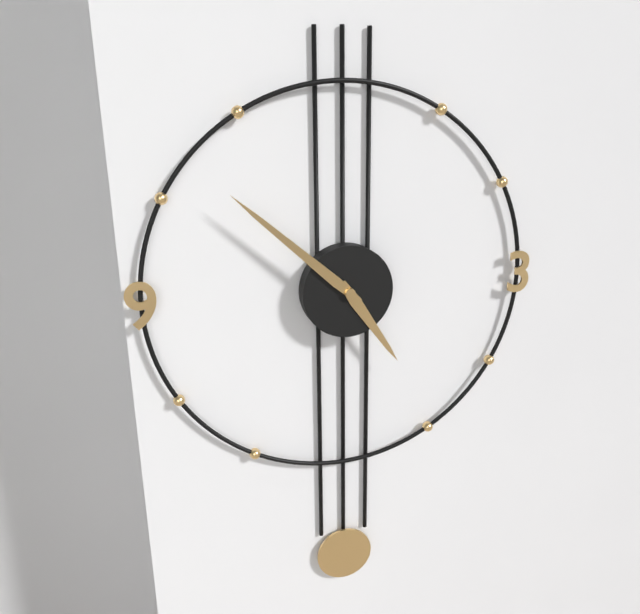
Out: **4:52**
